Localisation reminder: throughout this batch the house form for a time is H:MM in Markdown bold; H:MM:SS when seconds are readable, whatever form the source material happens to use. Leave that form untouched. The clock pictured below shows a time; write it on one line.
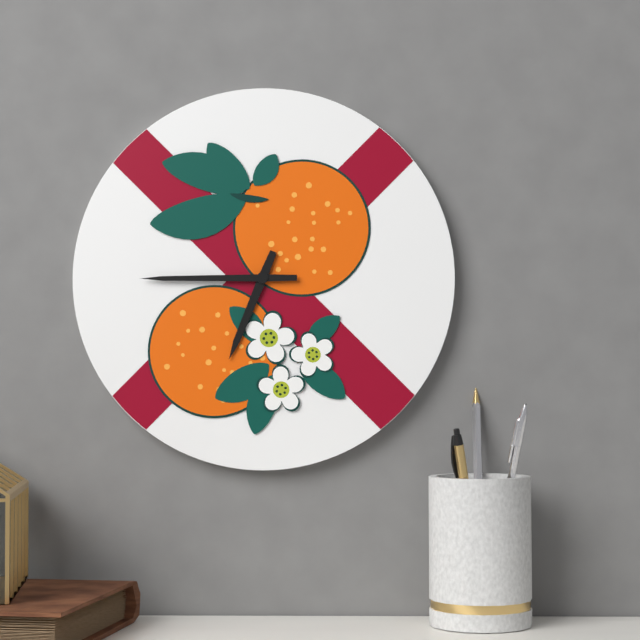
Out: **6:45**
